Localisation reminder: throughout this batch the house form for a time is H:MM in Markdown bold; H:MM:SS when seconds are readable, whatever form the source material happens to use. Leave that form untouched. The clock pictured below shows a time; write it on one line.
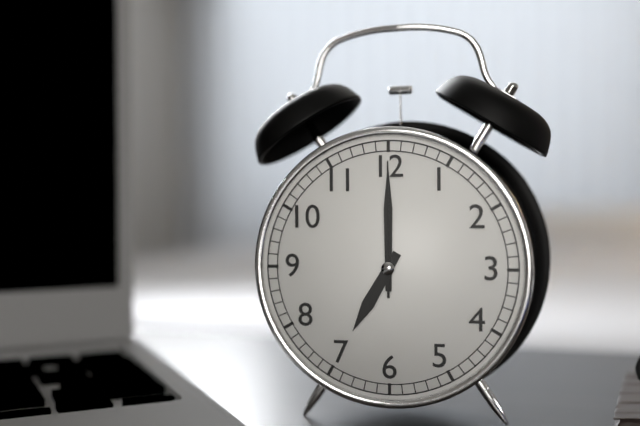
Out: **7:00:00**
